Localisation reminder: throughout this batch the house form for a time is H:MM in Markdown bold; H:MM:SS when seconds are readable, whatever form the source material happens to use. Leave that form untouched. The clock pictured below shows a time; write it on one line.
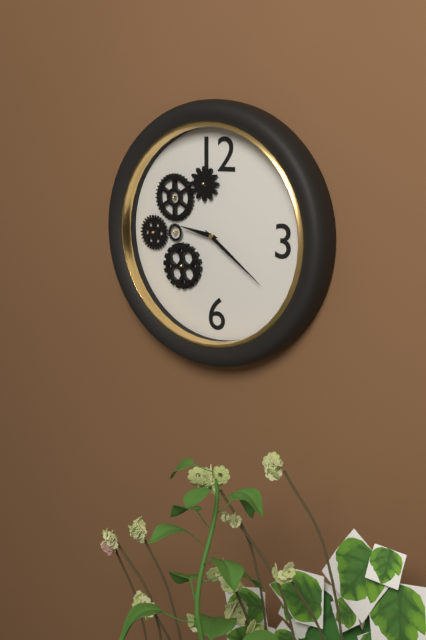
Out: **9:21**
